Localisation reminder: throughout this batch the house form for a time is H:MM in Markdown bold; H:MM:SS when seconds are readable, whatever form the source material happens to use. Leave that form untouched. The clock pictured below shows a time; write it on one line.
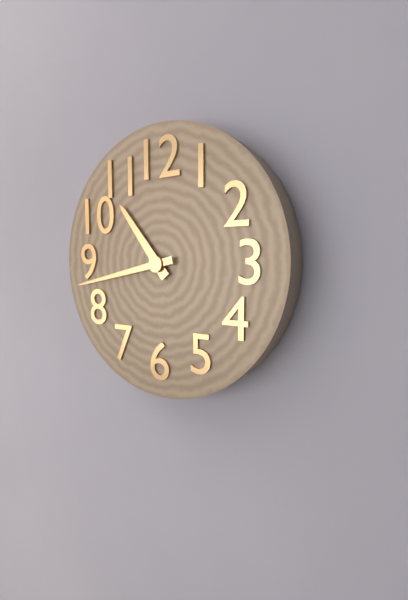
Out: **10:43**
